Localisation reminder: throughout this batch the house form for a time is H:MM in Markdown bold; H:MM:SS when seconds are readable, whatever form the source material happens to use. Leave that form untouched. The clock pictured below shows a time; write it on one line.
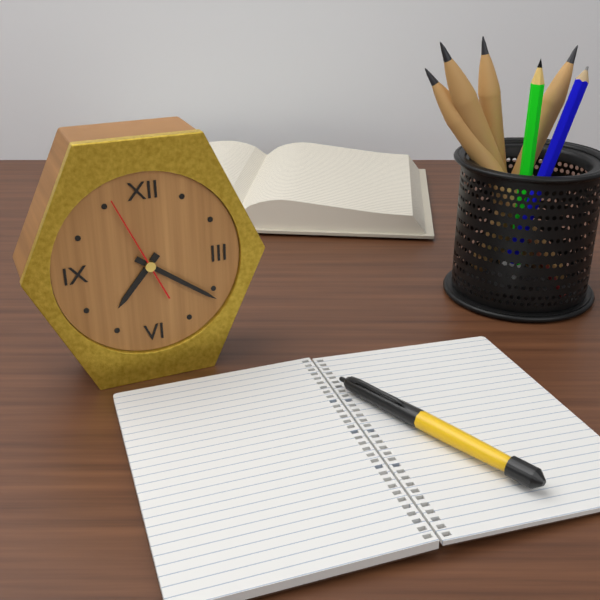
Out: **7:21:56**
